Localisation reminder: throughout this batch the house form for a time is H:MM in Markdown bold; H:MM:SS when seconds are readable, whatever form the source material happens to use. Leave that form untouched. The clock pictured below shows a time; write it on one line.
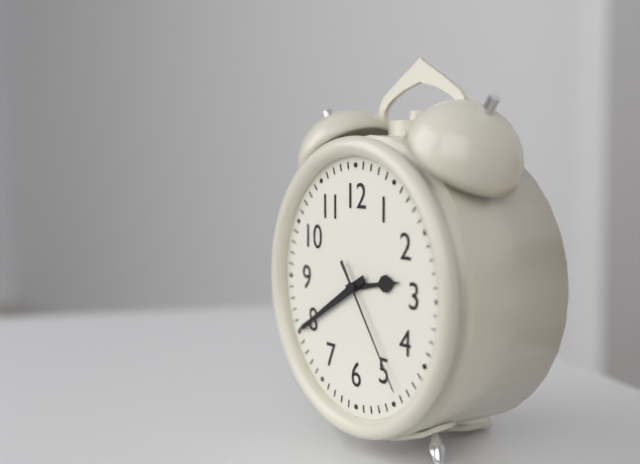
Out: **2:40:24**
